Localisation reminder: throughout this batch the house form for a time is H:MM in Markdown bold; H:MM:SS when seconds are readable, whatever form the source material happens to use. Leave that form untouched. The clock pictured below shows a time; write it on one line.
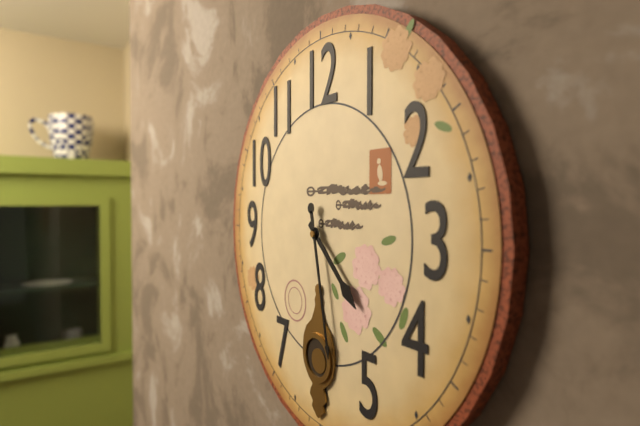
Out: **4:28**
